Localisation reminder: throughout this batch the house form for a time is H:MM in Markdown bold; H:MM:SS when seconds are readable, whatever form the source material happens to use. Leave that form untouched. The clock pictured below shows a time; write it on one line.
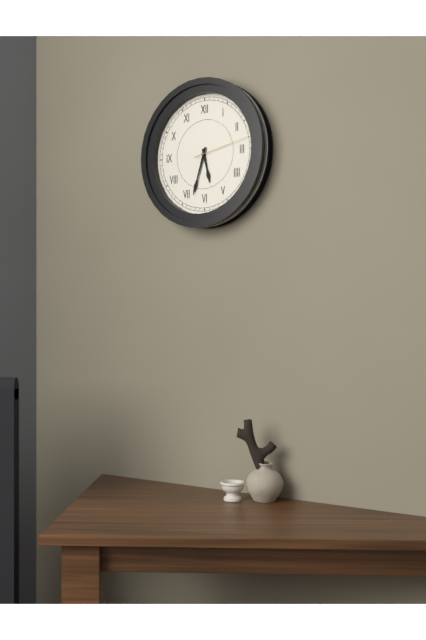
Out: **5:33:13**
